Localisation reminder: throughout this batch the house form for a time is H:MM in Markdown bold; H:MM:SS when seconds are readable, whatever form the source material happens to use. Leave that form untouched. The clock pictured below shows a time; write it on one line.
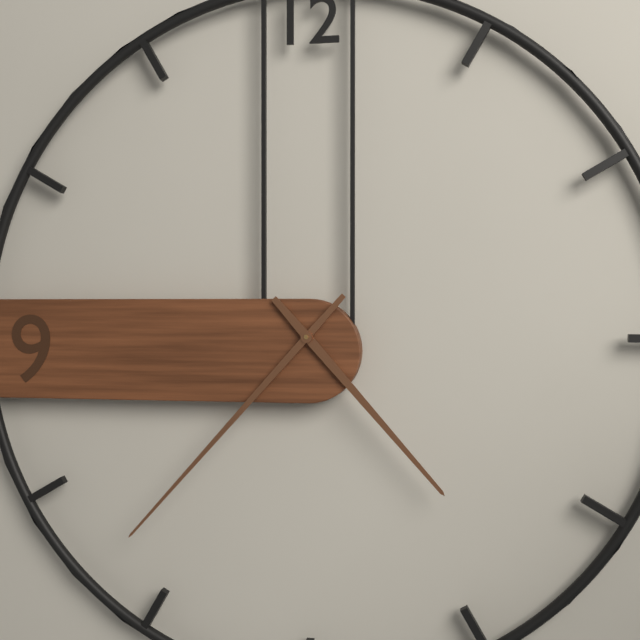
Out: **4:37**
